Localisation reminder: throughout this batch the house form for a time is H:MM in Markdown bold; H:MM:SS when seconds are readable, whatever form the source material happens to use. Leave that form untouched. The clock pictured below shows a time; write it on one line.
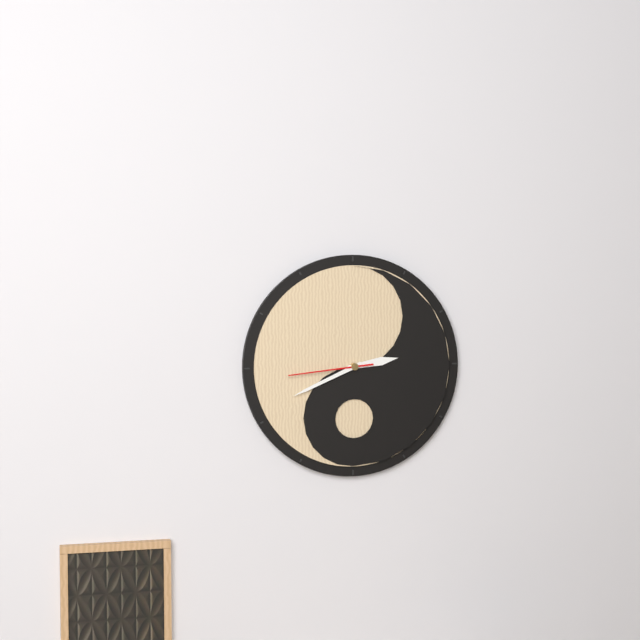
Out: **2:41:44**
